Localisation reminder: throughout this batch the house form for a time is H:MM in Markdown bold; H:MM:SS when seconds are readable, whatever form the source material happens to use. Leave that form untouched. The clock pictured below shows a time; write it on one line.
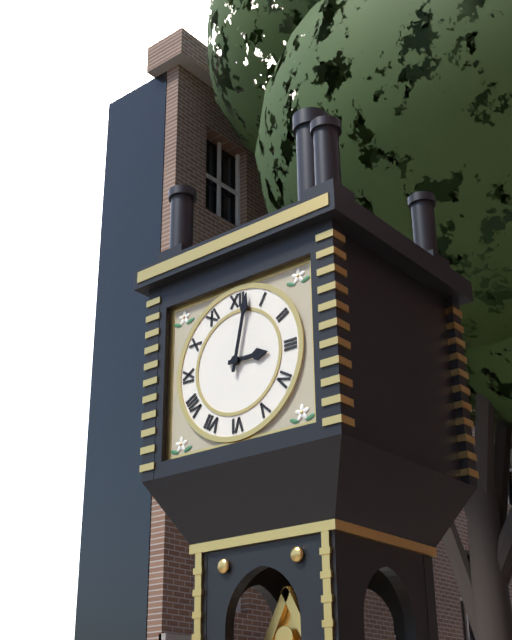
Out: **3:02**
